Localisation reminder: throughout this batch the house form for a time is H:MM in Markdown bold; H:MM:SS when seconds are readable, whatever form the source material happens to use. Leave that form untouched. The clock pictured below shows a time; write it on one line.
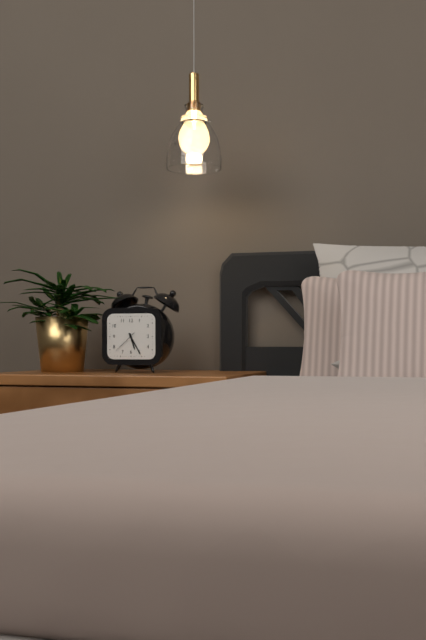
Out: **5:25**
